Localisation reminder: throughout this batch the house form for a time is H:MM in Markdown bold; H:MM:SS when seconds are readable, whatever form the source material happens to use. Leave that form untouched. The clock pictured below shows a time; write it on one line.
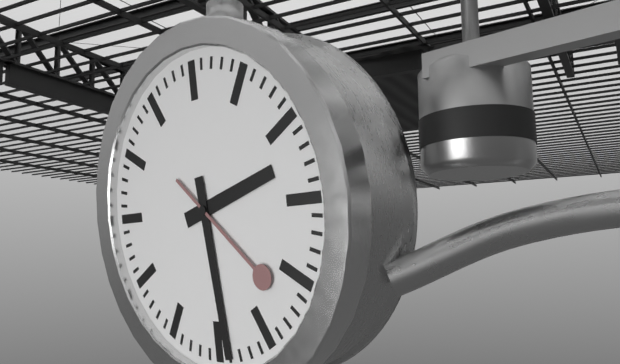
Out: **2:29:22**
